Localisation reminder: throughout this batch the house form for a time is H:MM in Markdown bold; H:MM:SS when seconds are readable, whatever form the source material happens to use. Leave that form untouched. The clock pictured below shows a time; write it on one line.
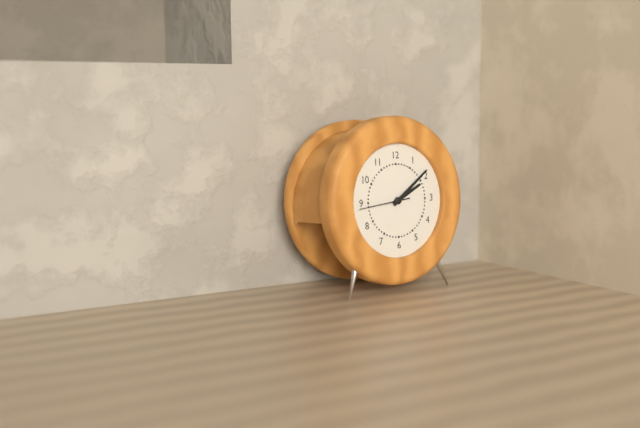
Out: **2:09:44**
